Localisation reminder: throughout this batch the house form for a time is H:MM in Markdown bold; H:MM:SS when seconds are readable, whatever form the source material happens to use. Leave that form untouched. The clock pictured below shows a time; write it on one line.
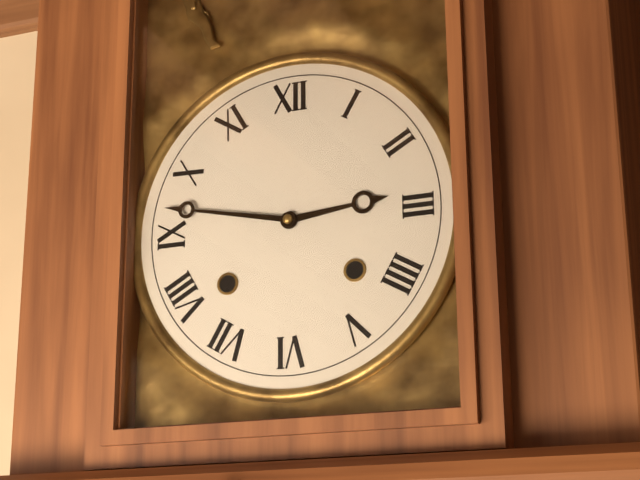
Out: **2:47**
